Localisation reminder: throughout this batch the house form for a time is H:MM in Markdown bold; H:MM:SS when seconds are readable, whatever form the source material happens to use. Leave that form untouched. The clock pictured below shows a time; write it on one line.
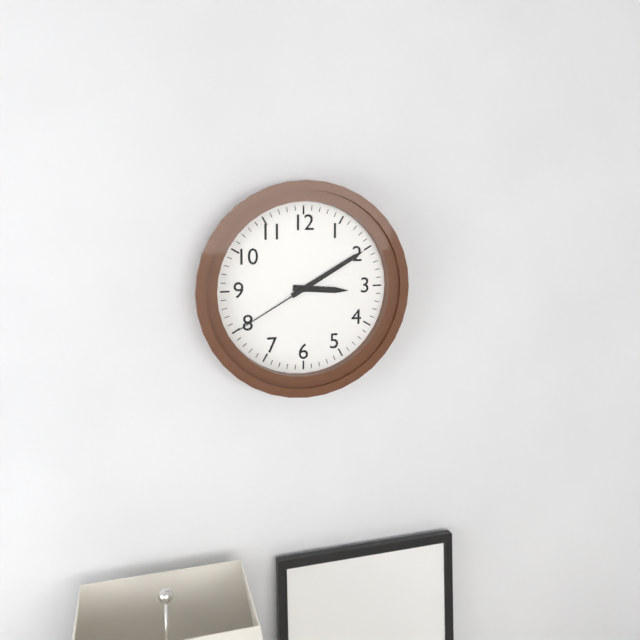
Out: **3:10:40**
